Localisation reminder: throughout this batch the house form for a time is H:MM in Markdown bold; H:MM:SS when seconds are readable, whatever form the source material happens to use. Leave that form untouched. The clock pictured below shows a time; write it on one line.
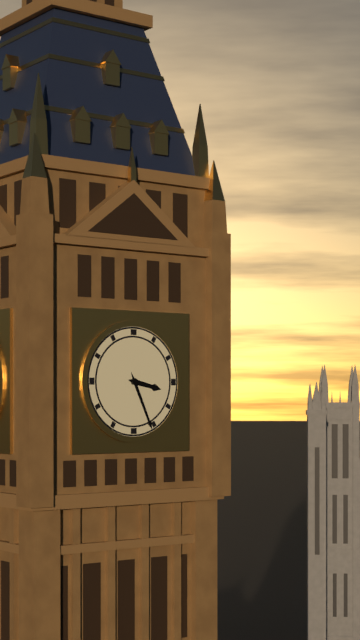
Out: **3:26**
